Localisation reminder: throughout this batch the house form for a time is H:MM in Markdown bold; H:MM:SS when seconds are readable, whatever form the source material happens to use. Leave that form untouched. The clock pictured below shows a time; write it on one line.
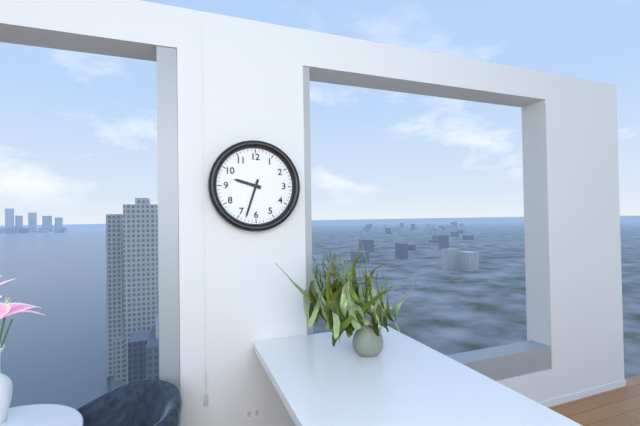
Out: **9:33**
